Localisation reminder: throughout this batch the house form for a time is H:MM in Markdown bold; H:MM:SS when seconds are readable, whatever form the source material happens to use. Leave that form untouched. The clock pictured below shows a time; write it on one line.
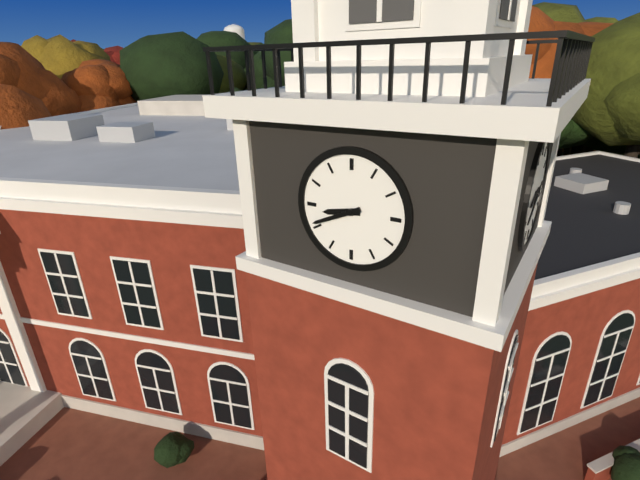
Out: **8:41**
